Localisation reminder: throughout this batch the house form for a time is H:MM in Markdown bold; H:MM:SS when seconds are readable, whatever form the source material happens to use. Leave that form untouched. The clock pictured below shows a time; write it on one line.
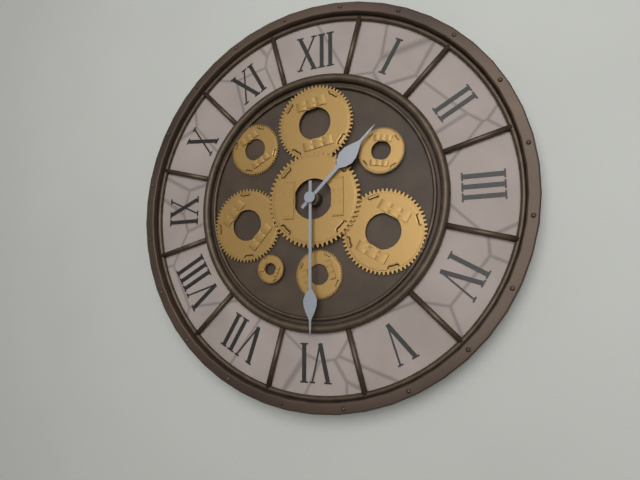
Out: **1:30**
